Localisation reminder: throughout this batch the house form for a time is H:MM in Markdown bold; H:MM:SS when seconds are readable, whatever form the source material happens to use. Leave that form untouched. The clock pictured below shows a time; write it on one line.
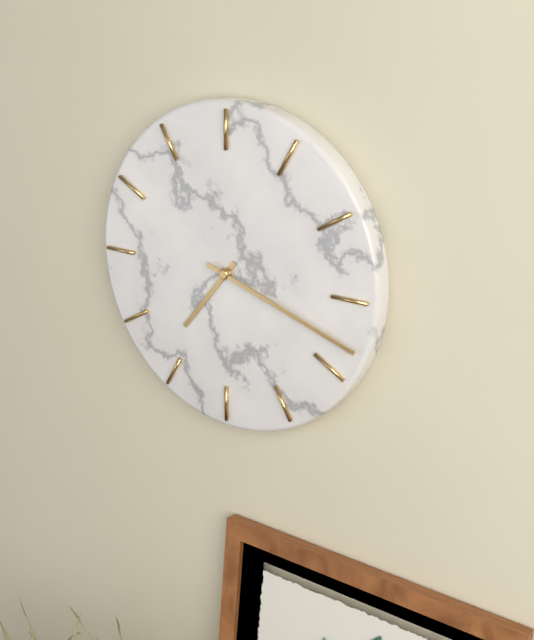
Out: **7:18**
